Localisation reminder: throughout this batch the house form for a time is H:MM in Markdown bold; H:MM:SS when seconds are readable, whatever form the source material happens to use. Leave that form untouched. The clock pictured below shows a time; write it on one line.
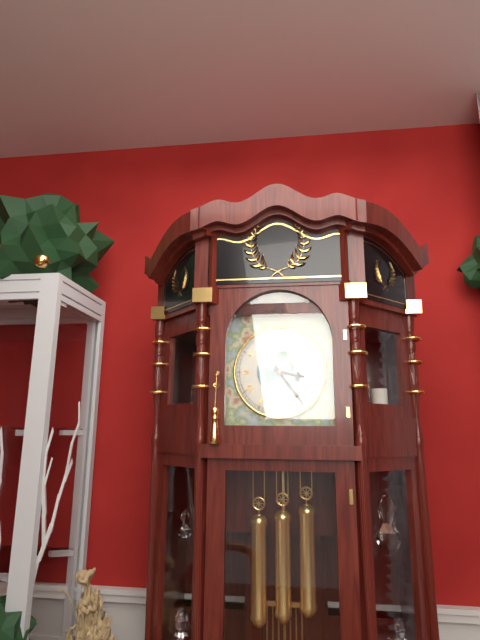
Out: **3:24**
